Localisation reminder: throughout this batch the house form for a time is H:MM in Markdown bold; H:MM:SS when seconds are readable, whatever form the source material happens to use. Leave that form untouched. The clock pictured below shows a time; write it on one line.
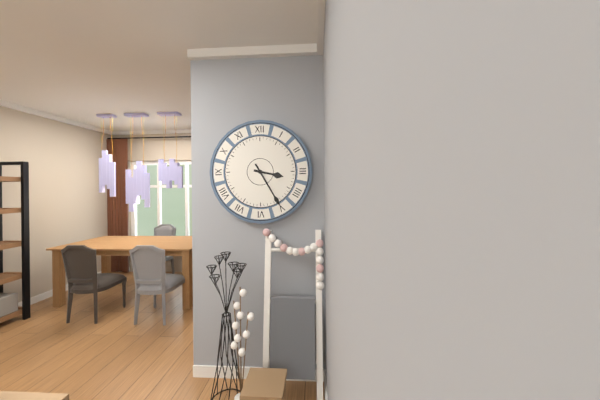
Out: **3:25**
